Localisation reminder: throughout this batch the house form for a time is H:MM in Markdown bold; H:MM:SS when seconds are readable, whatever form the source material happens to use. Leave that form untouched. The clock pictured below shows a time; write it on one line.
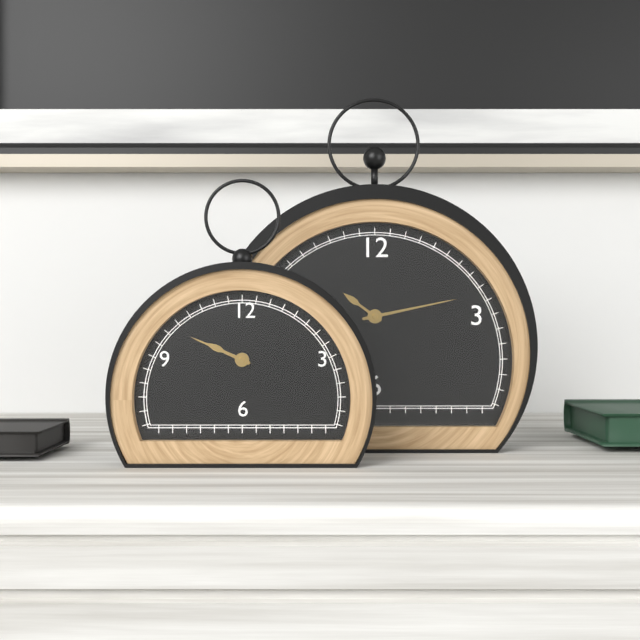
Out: **9:49**
